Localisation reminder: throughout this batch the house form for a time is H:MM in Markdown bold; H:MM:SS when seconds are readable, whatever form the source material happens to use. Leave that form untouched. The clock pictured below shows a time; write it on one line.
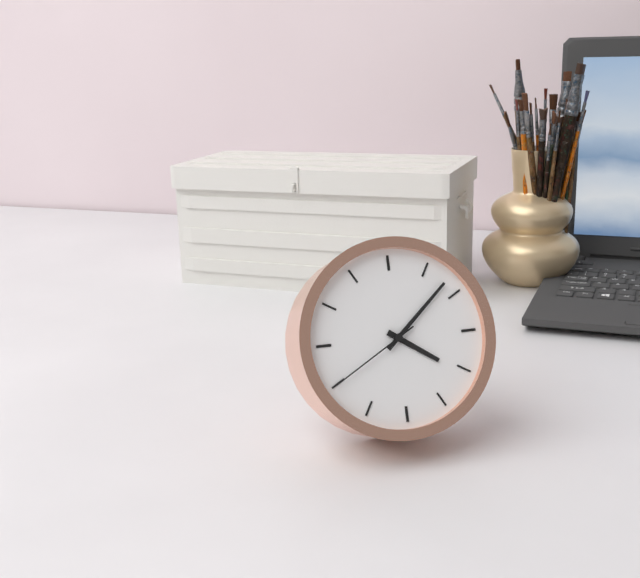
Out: **4:08:40**
